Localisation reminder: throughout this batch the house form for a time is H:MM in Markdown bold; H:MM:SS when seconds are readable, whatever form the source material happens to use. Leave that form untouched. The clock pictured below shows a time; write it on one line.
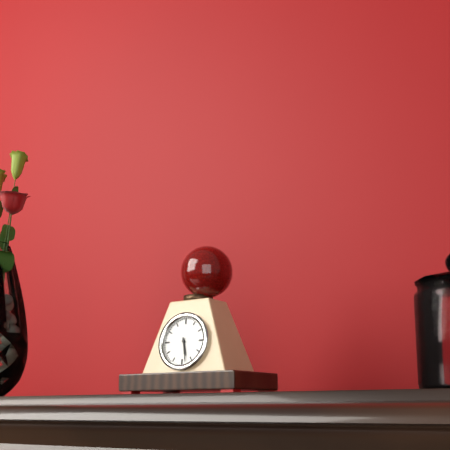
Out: **5:28**
